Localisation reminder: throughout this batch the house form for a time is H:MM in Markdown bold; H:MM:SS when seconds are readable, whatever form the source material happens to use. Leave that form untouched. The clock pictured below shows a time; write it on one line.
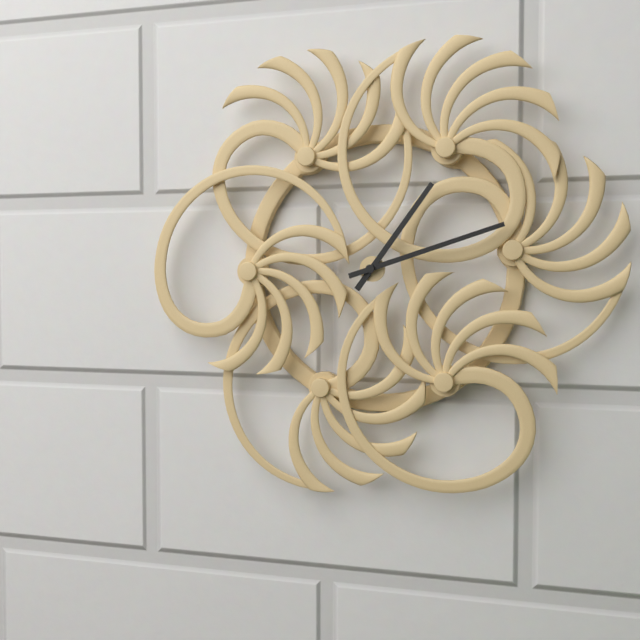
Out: **1:12**
